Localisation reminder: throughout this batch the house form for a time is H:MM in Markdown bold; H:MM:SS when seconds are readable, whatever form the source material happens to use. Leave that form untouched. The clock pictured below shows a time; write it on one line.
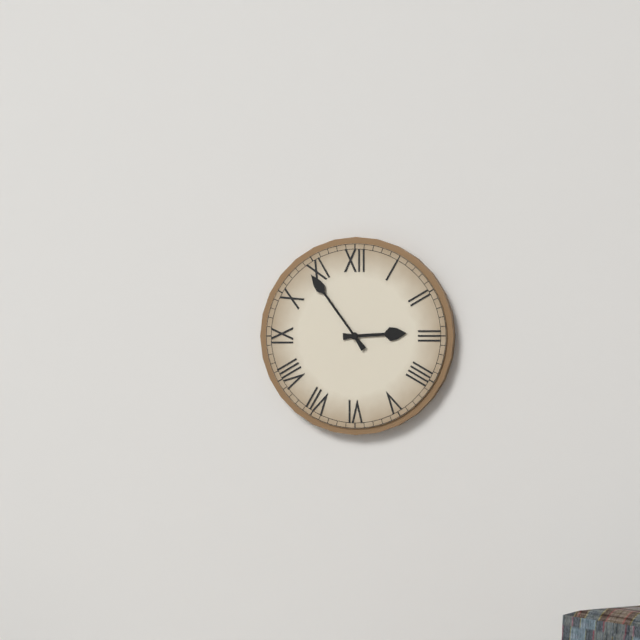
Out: **2:54**
